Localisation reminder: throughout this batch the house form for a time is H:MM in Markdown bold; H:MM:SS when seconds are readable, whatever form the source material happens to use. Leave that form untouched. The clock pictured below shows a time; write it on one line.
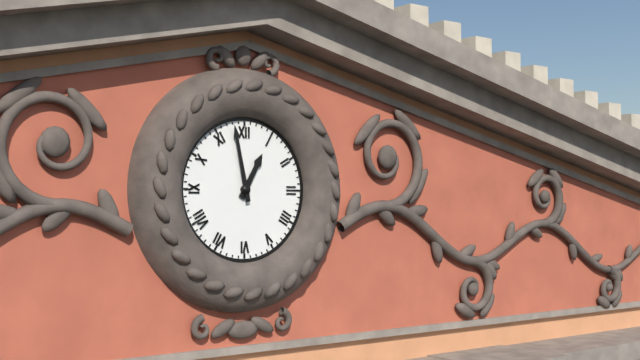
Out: **12:58**
